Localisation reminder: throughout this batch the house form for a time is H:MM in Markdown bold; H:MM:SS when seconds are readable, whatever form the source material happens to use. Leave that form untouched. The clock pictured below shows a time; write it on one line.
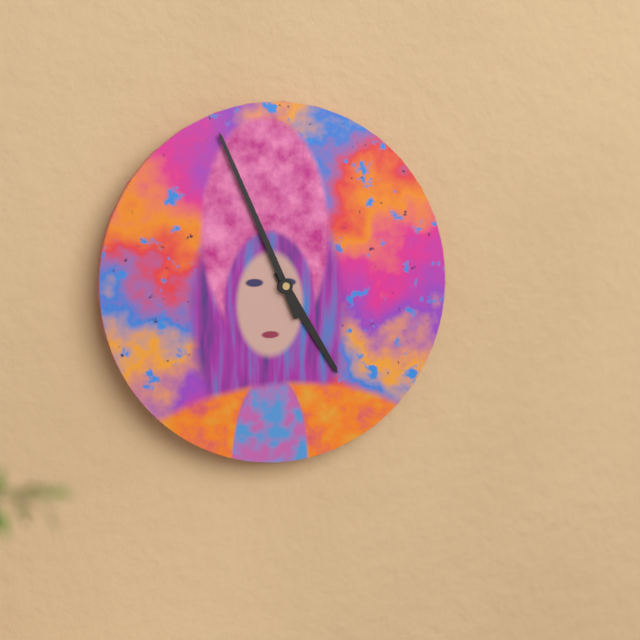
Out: **4:56**
